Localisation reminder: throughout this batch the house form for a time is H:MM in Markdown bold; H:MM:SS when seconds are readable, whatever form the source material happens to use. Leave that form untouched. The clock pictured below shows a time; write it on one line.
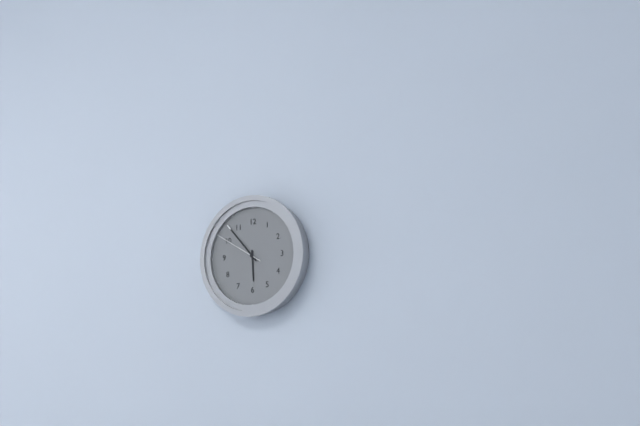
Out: **5:53:50**
